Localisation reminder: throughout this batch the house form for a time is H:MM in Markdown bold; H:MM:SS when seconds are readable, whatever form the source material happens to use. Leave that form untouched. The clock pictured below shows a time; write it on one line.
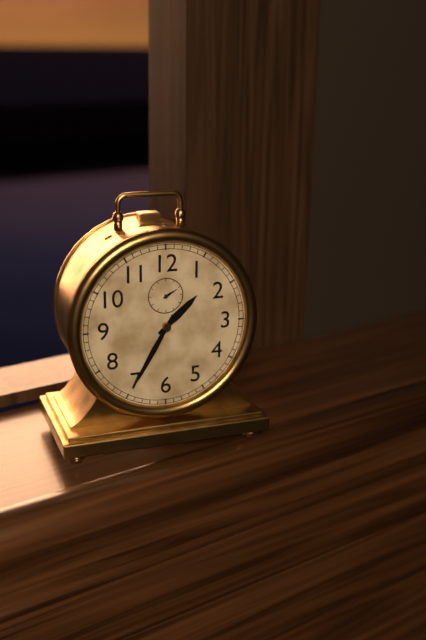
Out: **1:35**
